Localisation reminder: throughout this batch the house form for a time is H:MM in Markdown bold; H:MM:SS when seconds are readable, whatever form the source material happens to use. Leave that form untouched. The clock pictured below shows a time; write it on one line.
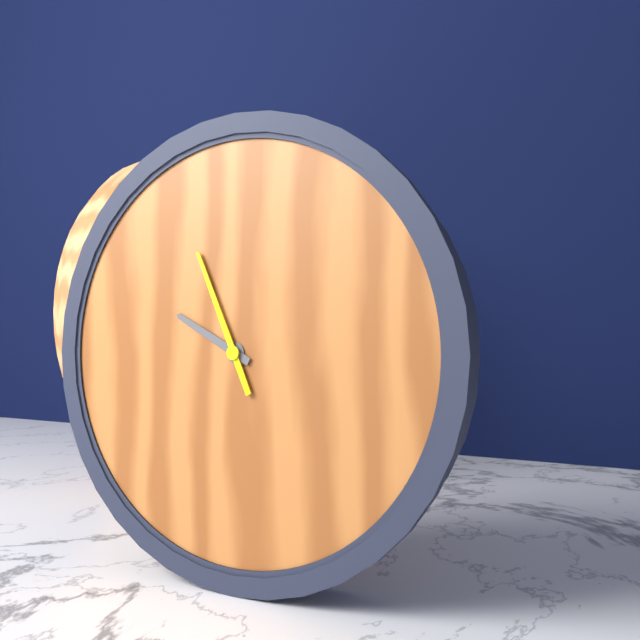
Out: **9:56**
